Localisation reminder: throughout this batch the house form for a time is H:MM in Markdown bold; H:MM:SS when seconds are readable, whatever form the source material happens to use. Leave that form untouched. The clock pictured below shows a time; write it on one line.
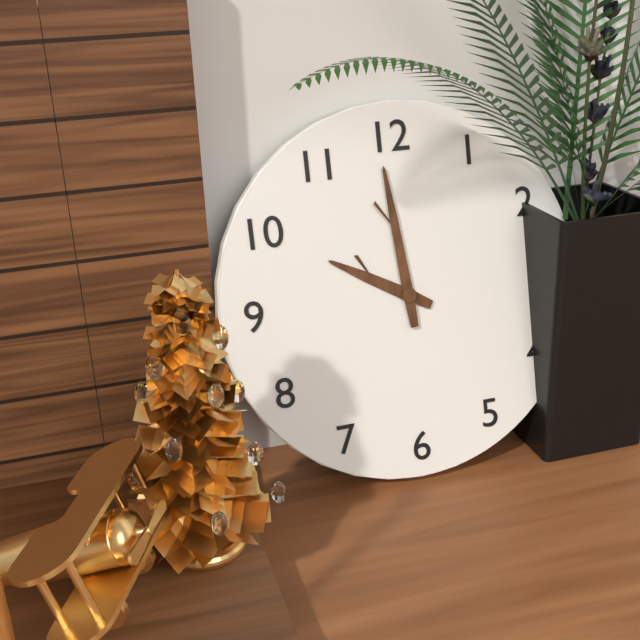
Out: **9:59**
